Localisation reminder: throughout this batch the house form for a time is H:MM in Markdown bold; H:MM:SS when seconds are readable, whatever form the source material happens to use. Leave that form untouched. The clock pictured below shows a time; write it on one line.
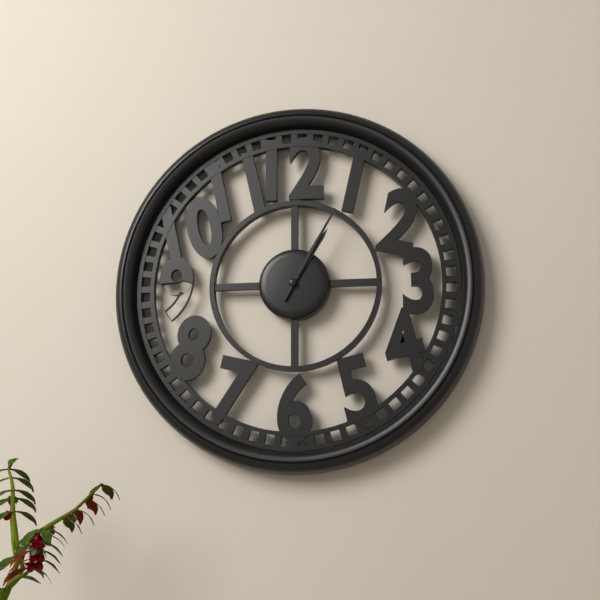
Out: **1:05**
